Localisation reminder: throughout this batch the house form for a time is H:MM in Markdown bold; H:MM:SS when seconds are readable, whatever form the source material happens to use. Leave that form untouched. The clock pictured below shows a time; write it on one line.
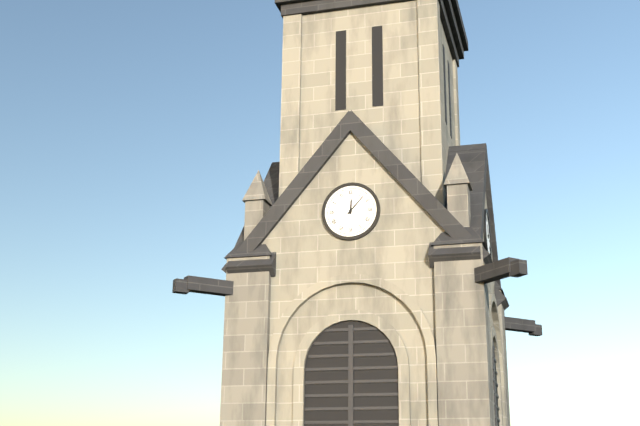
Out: **12:07**
